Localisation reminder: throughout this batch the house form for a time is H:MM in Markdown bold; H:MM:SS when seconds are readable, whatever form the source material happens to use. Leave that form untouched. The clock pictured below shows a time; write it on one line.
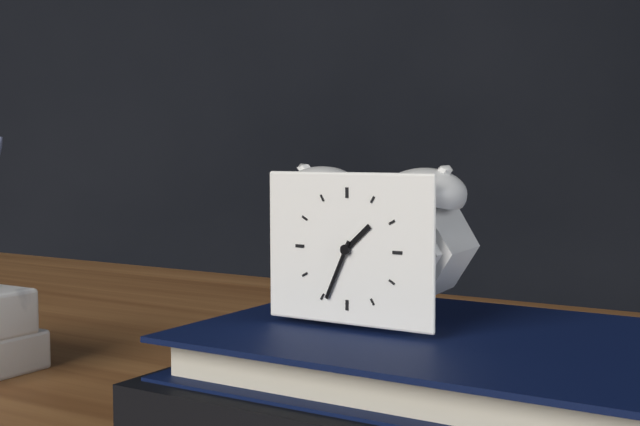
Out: **1:34**
